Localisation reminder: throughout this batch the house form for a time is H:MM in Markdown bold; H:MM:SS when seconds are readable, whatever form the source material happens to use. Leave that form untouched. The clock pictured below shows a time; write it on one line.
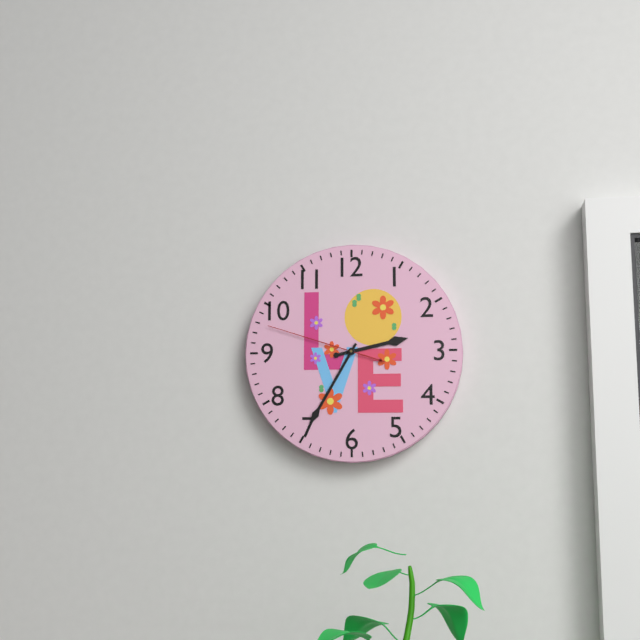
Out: **2:35:48**
